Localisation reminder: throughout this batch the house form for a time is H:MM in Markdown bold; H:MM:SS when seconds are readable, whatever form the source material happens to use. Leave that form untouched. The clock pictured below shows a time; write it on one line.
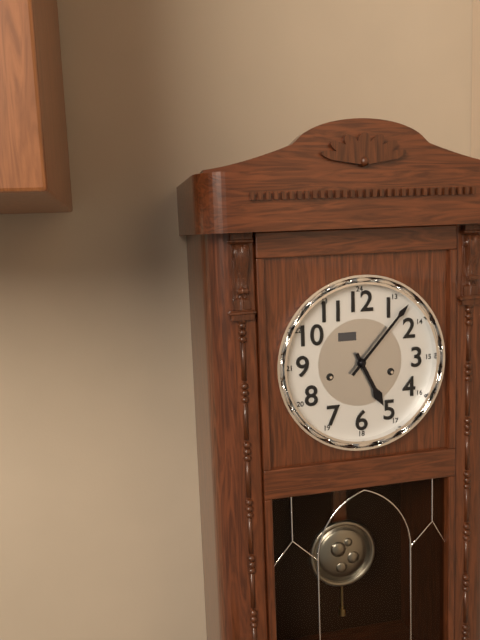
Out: **5:07**
